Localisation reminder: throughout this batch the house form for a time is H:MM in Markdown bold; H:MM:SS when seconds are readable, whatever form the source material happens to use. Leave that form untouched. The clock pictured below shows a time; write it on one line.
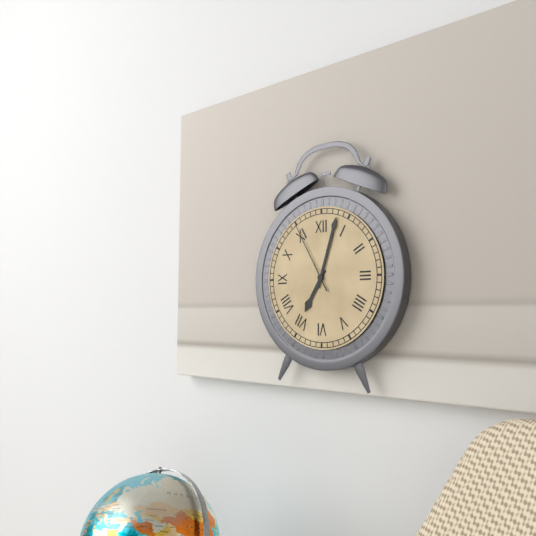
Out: **7:03:55**
